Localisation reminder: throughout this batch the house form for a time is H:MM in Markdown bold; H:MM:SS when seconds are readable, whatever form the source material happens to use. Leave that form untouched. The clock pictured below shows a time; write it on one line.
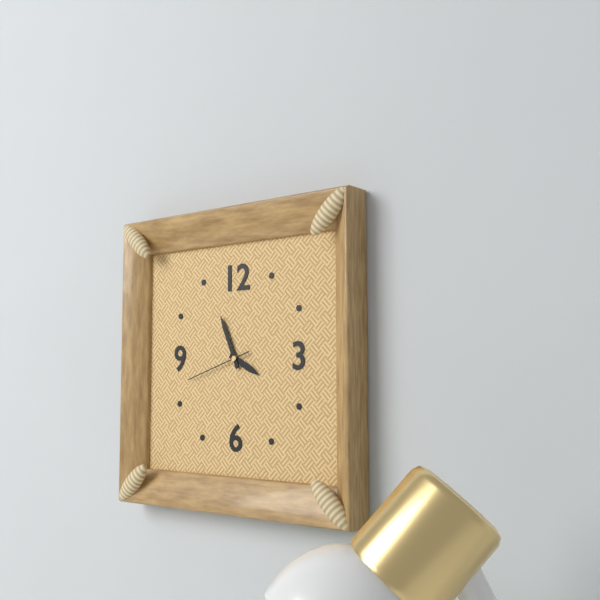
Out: **3:56:42**
